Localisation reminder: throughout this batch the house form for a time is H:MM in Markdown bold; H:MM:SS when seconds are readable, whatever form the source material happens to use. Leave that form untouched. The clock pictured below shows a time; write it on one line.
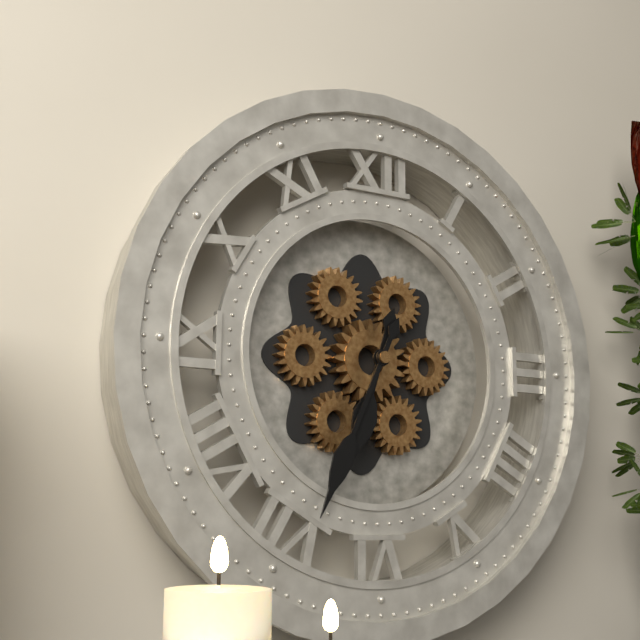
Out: **6:34**
